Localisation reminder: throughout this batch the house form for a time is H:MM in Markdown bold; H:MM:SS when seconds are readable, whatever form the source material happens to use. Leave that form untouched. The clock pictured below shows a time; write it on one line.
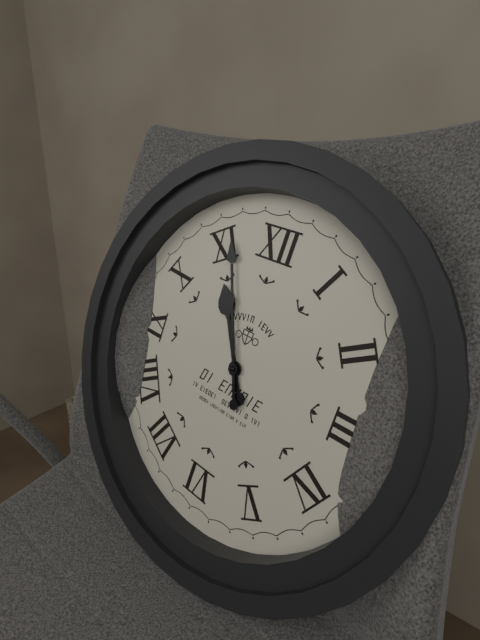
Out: **10:56**
